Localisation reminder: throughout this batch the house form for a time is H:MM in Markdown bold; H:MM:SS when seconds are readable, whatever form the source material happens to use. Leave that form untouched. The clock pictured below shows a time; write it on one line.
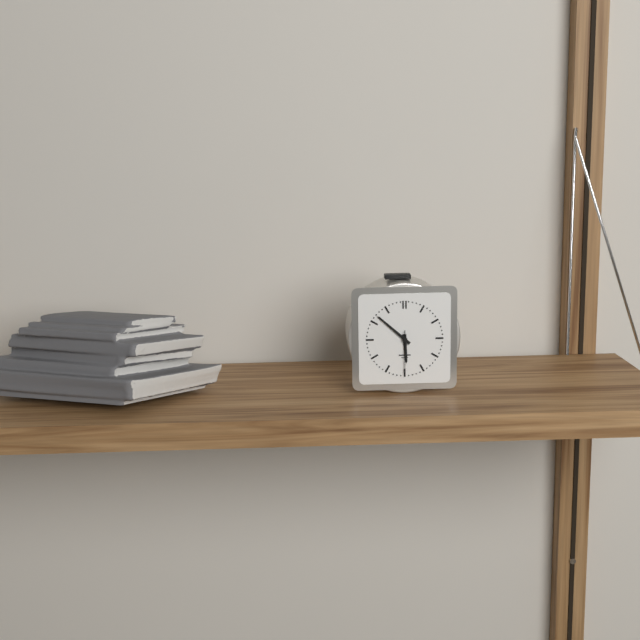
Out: **5:52**
